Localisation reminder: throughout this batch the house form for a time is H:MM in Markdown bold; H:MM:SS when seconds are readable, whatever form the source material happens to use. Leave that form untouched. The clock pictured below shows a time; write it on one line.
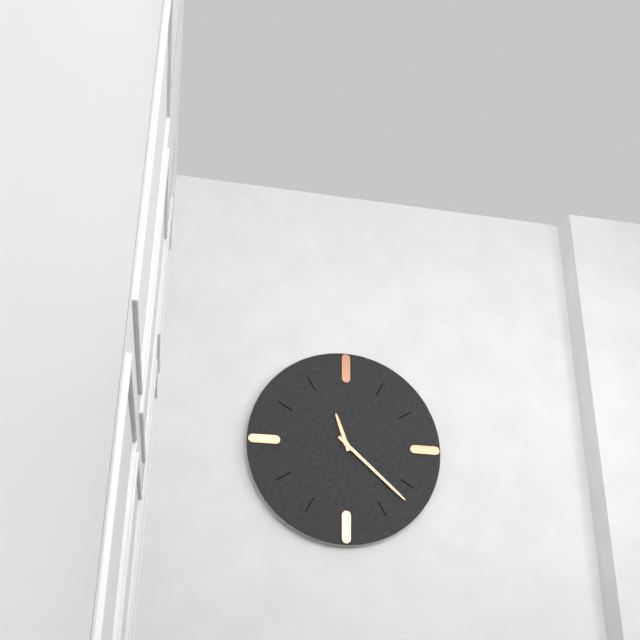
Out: **11:22**
